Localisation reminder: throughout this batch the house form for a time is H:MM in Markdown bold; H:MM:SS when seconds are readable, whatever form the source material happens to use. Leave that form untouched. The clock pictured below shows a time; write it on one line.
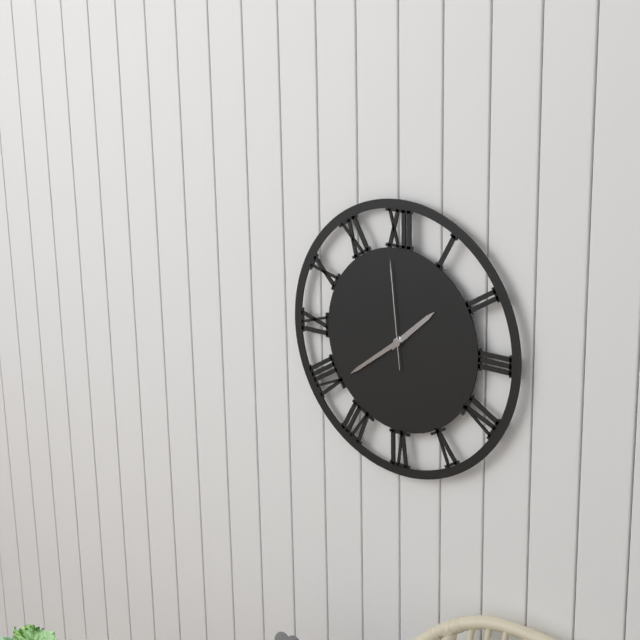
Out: **1:39:59**
